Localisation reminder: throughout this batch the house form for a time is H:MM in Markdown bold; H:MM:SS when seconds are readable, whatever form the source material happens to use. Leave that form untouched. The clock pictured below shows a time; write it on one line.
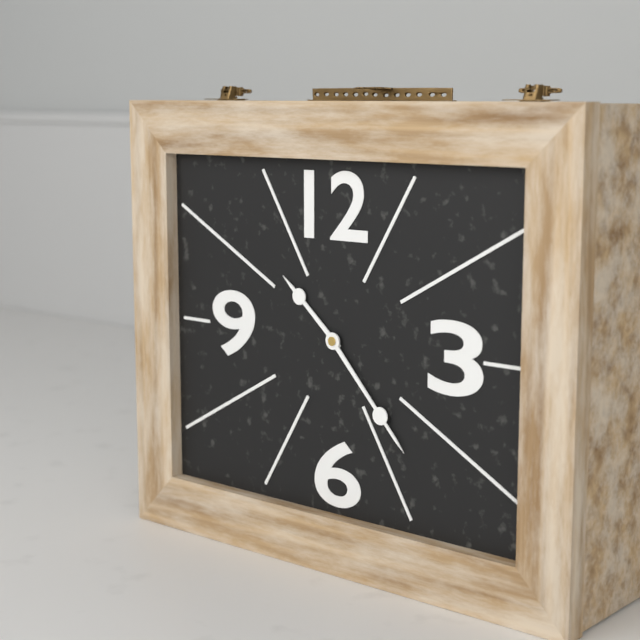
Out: **10:23**
